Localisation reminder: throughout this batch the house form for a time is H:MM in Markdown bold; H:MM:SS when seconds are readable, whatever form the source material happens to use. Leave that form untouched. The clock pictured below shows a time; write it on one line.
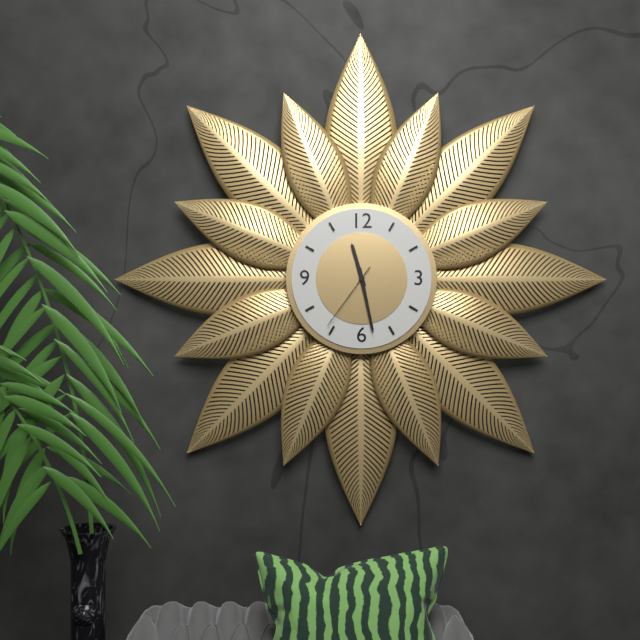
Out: **11:28:36**
